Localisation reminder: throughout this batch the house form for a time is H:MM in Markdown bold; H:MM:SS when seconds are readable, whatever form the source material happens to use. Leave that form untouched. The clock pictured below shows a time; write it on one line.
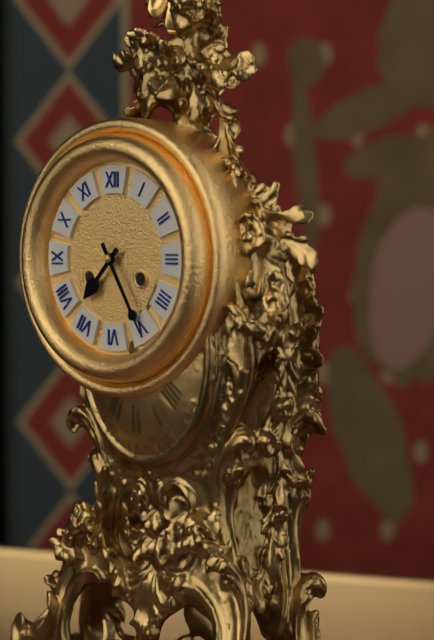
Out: **7:25**
